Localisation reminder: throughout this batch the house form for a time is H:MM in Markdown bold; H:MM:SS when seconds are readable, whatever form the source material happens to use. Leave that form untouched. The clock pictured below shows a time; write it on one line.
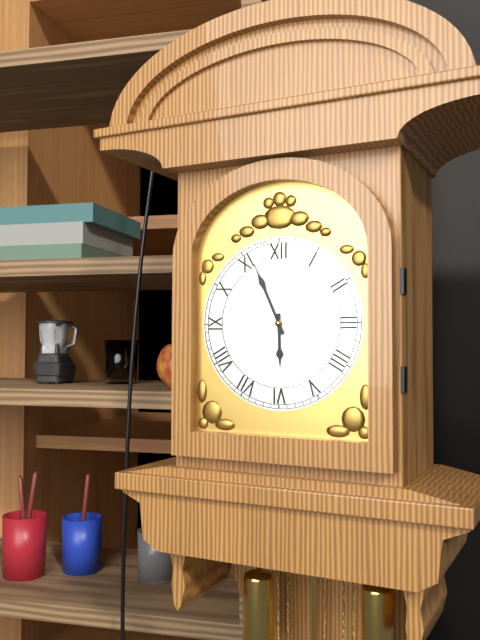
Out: **5:56**
